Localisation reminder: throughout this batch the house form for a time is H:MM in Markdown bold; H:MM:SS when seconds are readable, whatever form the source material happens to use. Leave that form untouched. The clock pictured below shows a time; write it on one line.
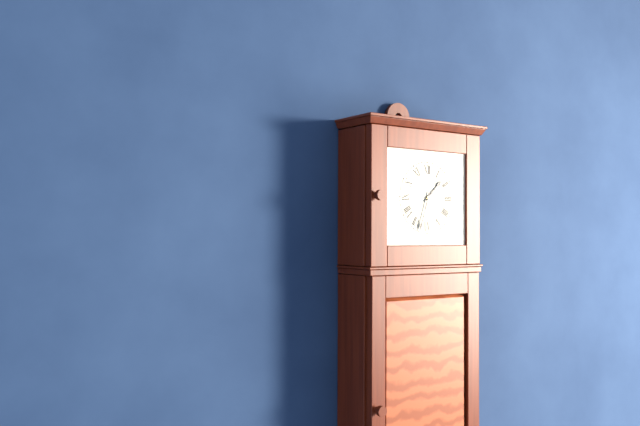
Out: **1:33**
